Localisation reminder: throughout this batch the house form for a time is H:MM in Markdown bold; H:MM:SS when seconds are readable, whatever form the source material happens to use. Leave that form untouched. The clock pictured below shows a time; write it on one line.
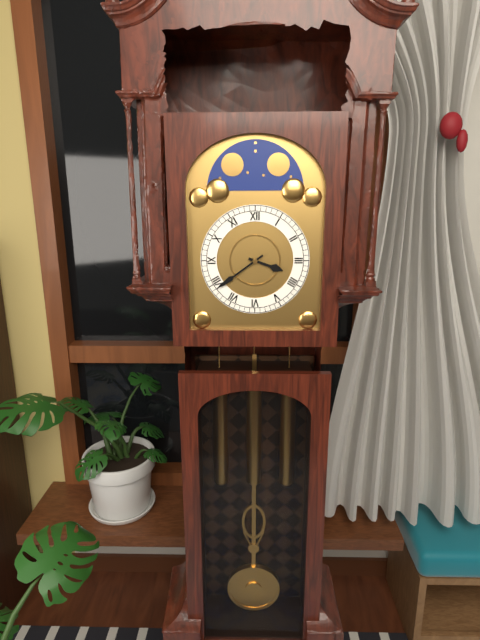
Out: **3:39**
